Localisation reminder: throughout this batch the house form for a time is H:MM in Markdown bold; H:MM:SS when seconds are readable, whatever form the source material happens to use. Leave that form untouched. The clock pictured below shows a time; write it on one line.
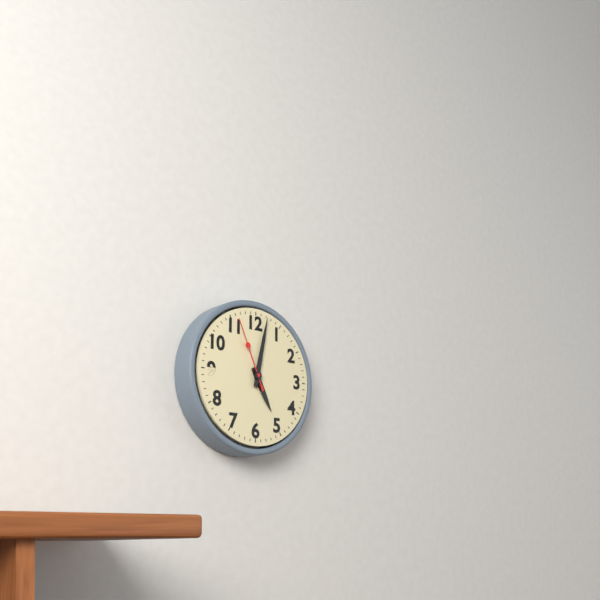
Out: **5:02:56**
